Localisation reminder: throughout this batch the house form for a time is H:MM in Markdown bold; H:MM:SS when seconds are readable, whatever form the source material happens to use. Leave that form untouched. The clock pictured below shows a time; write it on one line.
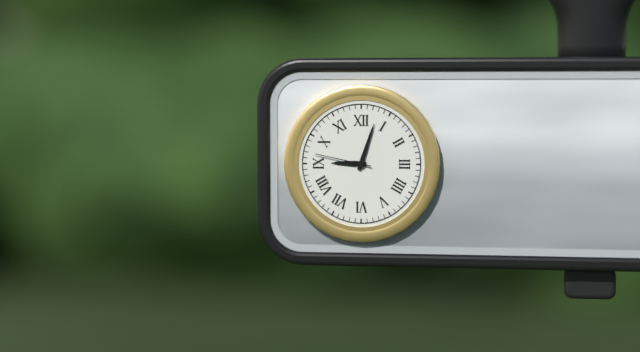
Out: **9:03:47**
